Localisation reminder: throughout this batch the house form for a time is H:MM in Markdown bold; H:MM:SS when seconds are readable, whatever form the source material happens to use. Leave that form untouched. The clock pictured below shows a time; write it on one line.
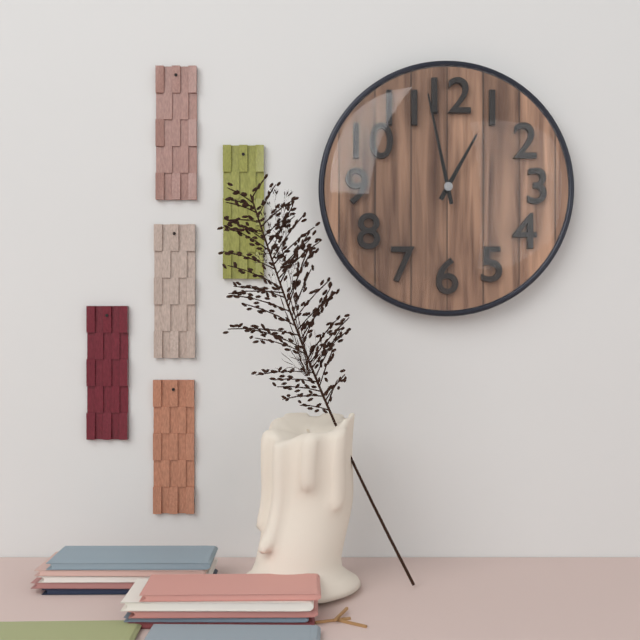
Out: **12:58**
